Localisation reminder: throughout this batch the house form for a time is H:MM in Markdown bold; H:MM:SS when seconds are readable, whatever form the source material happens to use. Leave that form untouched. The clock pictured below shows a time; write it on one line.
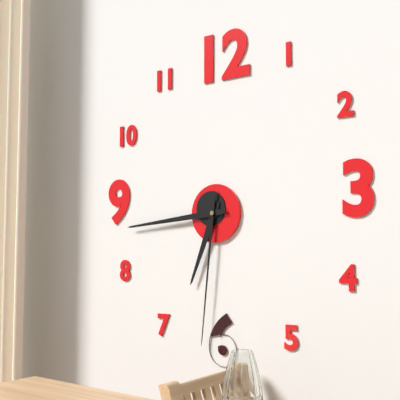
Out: **6:44:31**
